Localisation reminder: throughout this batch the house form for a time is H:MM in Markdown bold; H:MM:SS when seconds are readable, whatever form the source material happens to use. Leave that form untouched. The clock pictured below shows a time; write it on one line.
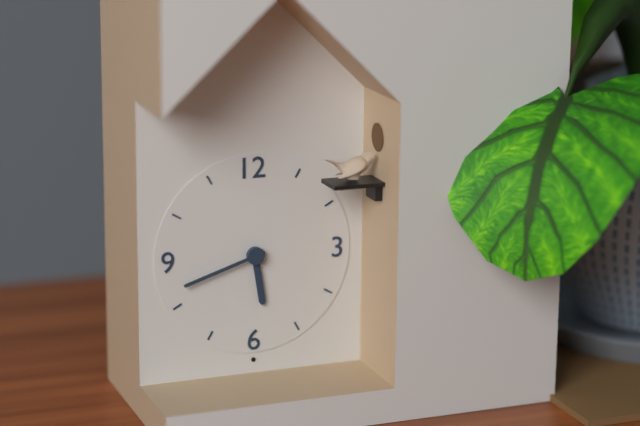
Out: **5:42**
